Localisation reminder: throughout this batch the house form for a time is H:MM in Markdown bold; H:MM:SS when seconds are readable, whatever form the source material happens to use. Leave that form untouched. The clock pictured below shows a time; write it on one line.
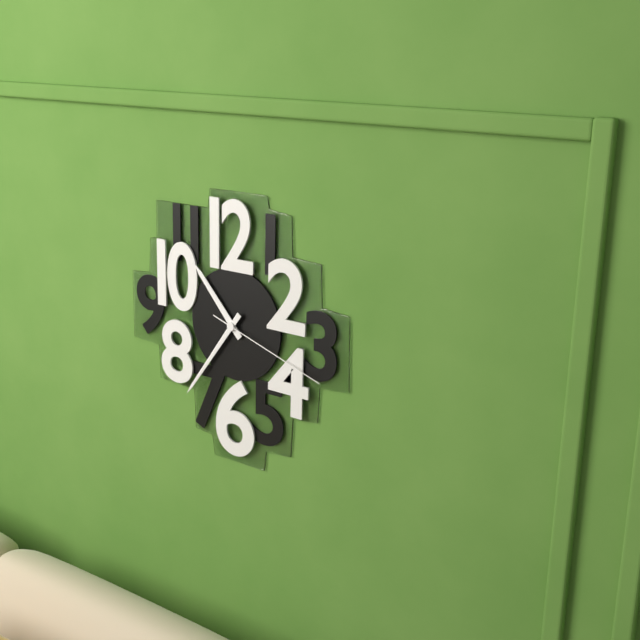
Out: **10:36:18**
